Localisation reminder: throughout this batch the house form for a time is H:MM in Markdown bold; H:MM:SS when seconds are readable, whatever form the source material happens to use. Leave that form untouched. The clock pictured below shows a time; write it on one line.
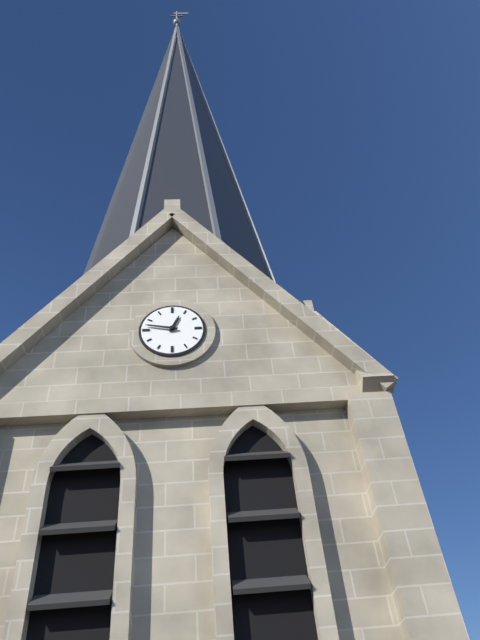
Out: **12:47**
